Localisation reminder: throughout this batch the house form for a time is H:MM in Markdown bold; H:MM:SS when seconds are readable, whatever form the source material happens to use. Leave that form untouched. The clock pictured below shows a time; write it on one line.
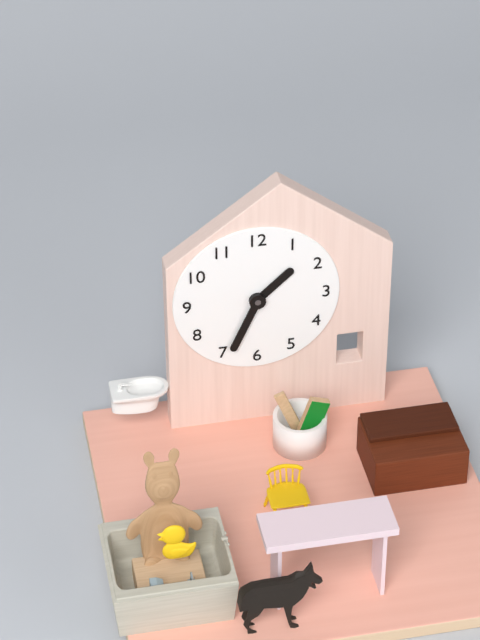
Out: **1:34**
